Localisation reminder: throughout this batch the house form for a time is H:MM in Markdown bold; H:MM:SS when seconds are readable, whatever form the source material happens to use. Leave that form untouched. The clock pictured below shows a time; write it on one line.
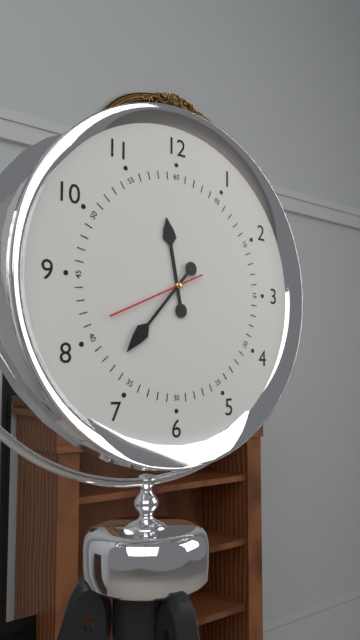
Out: **11:37:41**
